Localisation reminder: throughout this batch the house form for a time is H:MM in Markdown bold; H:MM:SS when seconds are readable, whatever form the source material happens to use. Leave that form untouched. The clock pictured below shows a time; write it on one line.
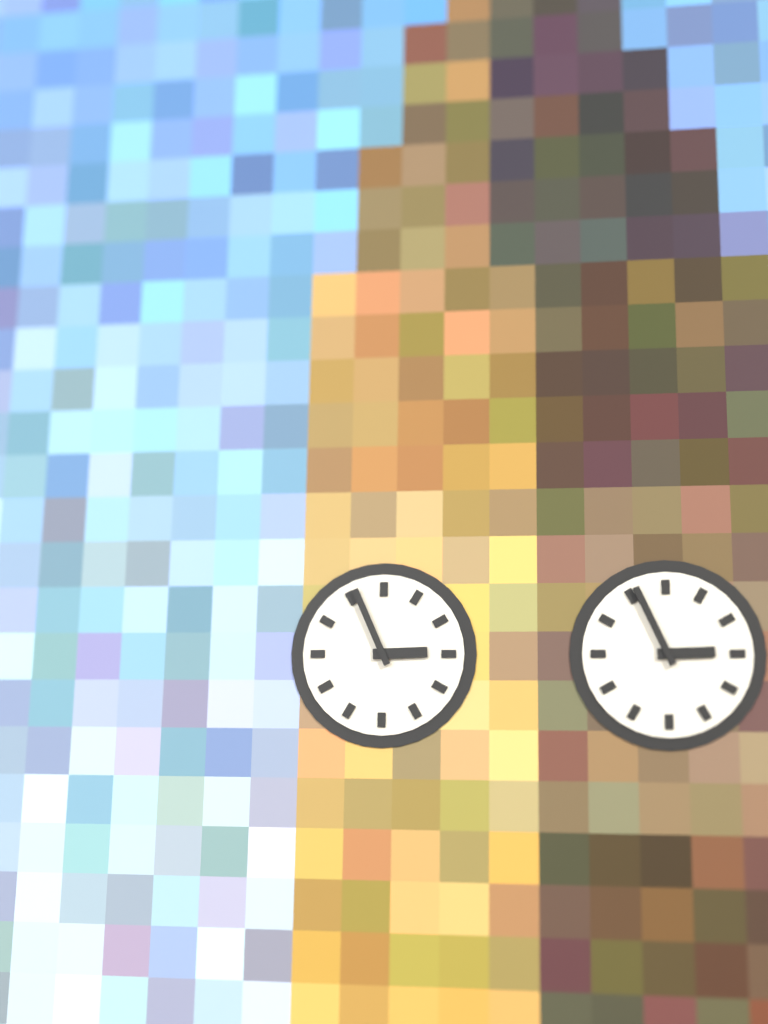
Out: **2:56**
